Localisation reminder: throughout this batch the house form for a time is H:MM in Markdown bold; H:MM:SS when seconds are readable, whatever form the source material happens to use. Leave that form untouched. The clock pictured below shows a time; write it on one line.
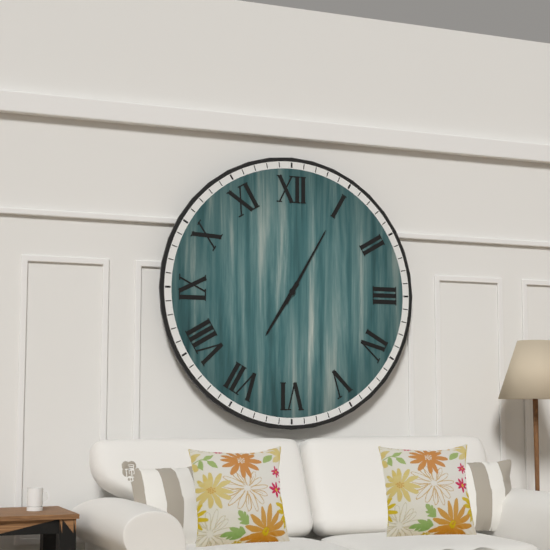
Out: **7:05**
